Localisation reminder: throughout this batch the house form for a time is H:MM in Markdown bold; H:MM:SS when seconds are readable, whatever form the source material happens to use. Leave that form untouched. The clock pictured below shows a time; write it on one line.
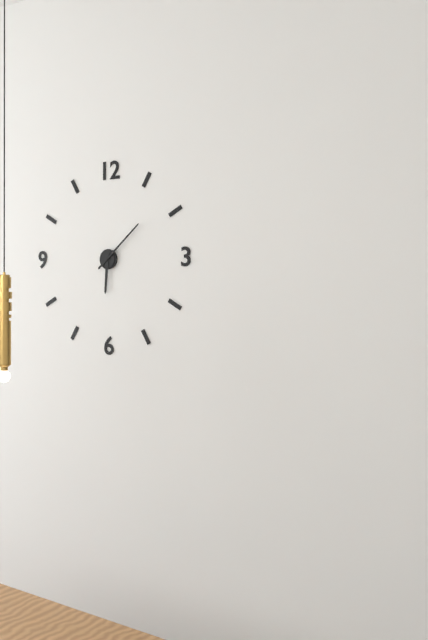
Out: **6:08**
